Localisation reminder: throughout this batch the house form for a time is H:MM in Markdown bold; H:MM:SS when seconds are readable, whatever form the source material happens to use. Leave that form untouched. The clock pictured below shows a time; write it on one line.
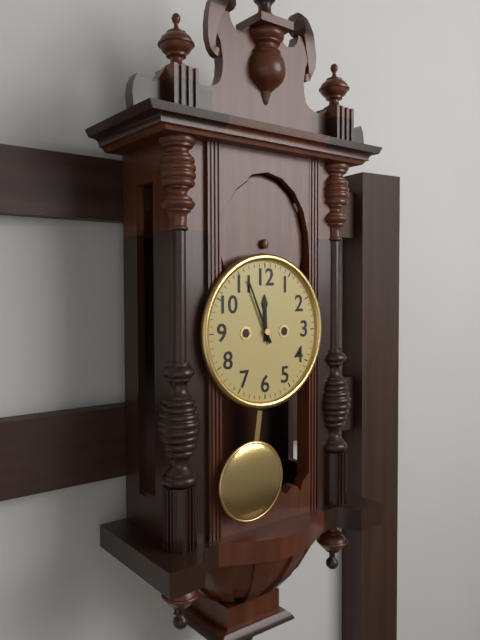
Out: **11:56**
